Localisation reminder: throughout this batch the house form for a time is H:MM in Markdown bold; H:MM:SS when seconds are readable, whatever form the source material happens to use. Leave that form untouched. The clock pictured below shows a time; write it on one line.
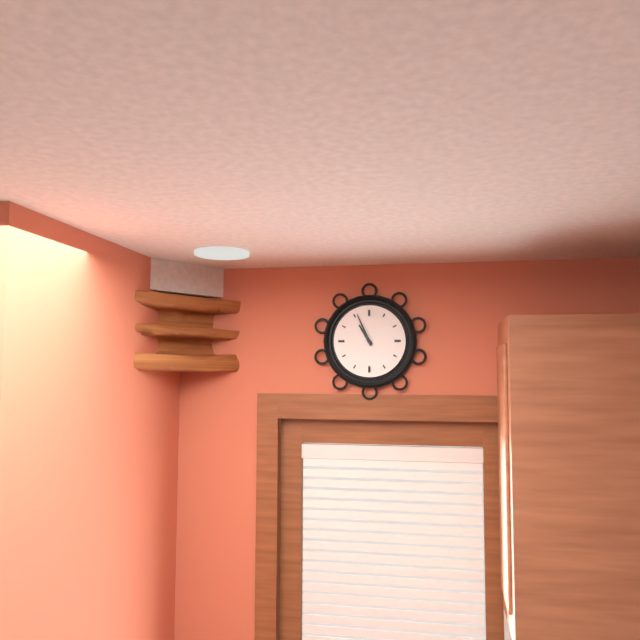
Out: **10:56**
